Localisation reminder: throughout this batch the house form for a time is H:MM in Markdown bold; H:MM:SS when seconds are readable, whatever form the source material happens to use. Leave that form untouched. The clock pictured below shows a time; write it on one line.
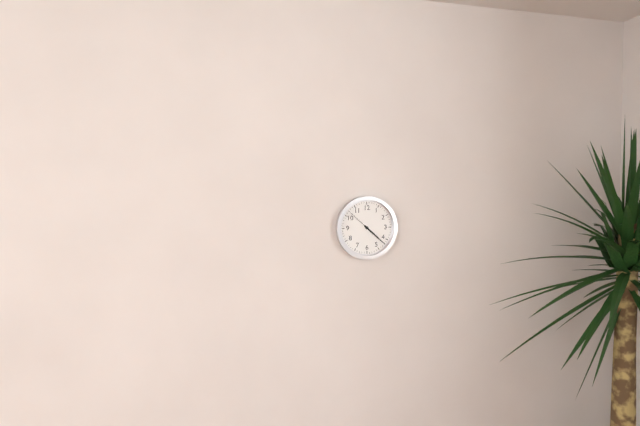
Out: **4:22**
